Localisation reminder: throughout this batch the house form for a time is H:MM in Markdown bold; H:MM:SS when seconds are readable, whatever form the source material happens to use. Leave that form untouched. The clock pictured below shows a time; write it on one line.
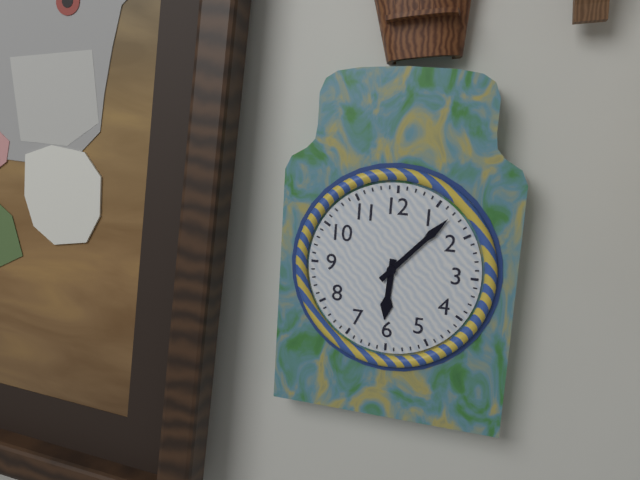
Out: **6:07**
